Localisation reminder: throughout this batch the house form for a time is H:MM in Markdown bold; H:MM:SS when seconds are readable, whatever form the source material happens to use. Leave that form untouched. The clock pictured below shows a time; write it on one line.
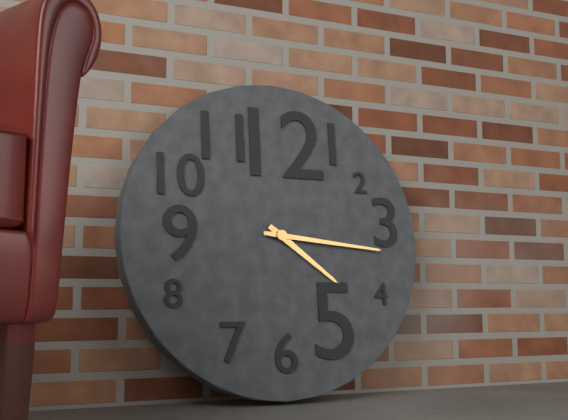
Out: **4:16**
